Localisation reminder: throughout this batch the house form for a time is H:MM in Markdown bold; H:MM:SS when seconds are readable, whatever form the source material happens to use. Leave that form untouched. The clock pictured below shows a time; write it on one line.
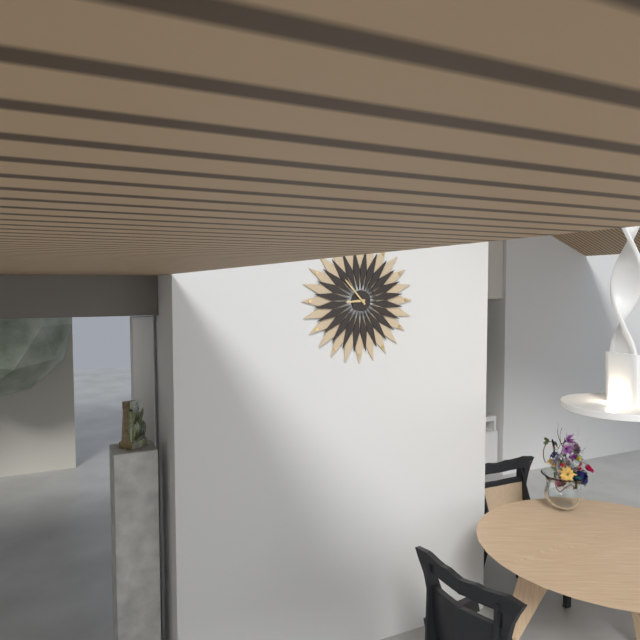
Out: **8:53**
